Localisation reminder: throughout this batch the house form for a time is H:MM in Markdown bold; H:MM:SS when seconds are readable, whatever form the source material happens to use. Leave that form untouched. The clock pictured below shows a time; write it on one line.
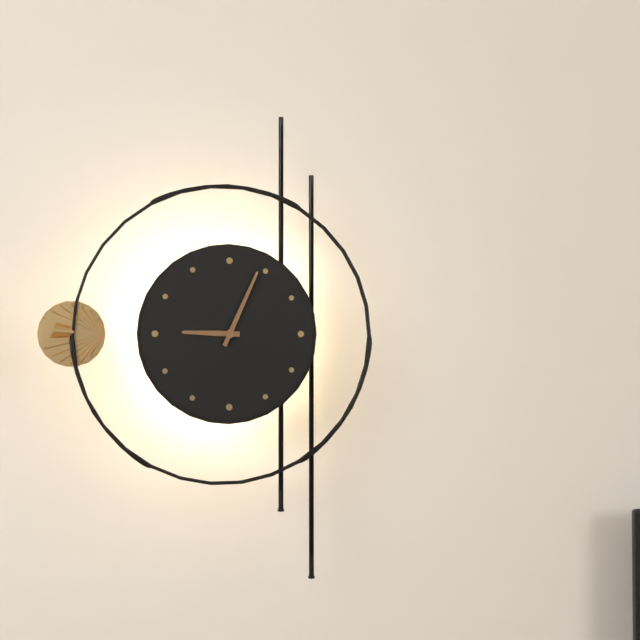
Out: **9:04**
